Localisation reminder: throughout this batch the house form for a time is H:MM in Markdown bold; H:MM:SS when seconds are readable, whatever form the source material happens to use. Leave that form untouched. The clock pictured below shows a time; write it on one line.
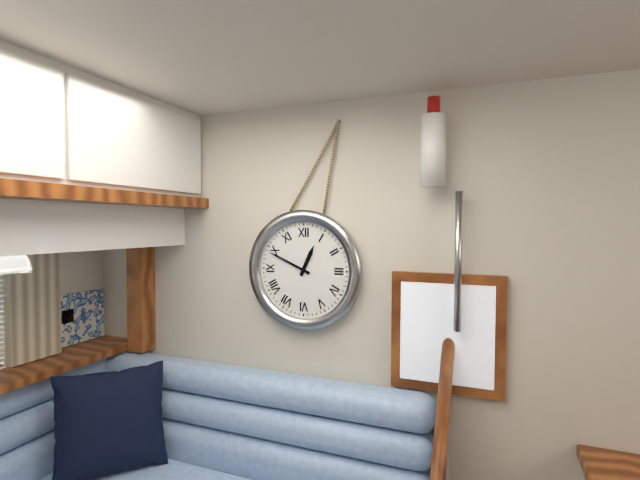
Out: **12:49**
